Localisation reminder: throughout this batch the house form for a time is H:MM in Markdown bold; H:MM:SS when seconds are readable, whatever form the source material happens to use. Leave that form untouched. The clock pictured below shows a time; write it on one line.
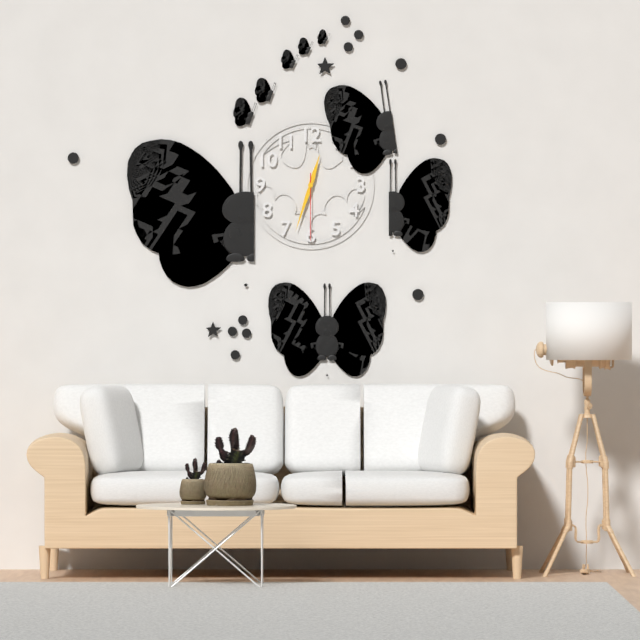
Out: **12:33:30**
